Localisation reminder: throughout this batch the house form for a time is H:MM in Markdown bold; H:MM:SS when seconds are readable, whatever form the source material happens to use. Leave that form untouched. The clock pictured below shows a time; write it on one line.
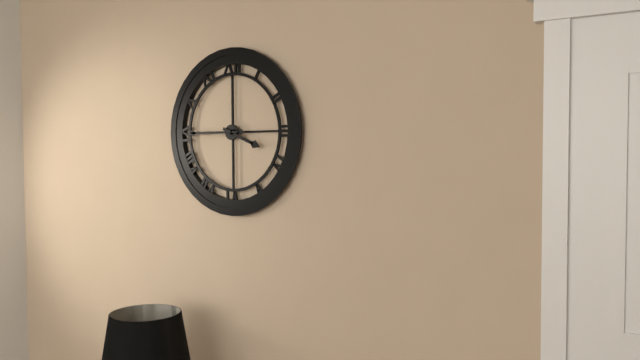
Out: **3:45**
